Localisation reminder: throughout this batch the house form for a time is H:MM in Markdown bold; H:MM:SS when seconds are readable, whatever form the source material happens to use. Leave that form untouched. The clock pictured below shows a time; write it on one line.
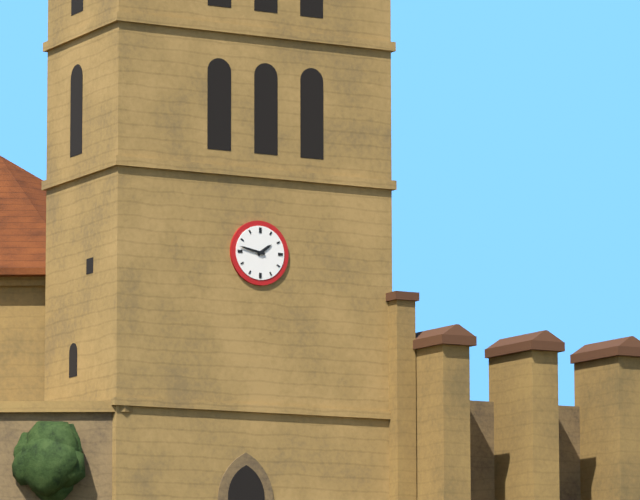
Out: **1:47**
